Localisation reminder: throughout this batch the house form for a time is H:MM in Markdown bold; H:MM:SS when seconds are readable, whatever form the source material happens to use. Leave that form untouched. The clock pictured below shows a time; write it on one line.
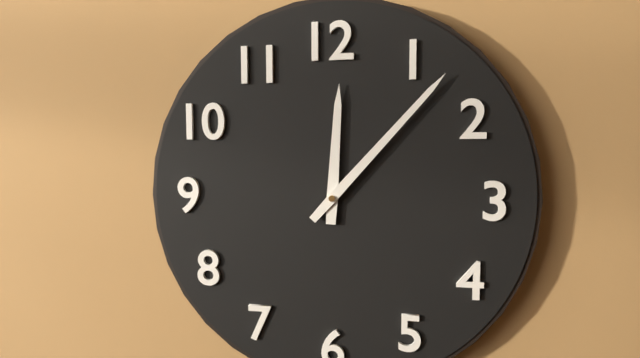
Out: **12:07**
